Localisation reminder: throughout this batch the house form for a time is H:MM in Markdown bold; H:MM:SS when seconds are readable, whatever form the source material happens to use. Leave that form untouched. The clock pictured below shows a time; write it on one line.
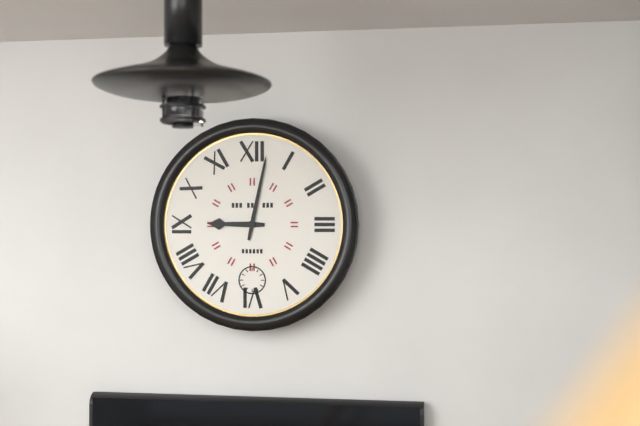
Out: **9:02**
